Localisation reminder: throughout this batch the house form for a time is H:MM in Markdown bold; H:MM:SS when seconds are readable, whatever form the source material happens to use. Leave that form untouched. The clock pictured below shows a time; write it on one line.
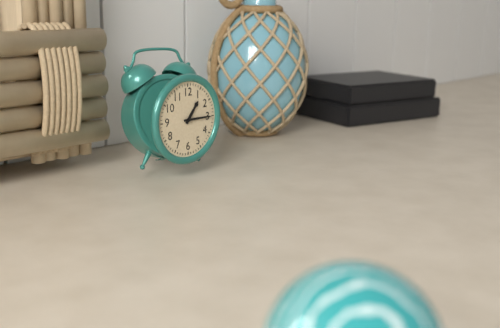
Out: **1:15**
